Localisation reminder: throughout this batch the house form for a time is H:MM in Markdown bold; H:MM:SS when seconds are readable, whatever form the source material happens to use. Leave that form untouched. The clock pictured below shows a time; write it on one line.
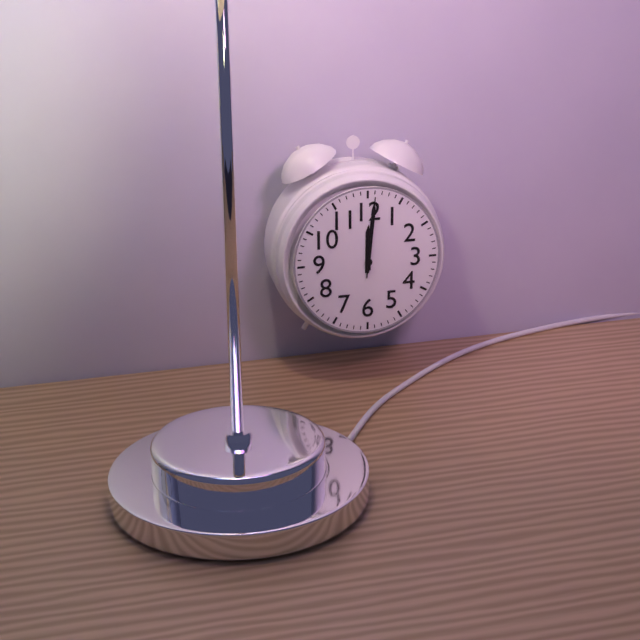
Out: **12:01:01**
